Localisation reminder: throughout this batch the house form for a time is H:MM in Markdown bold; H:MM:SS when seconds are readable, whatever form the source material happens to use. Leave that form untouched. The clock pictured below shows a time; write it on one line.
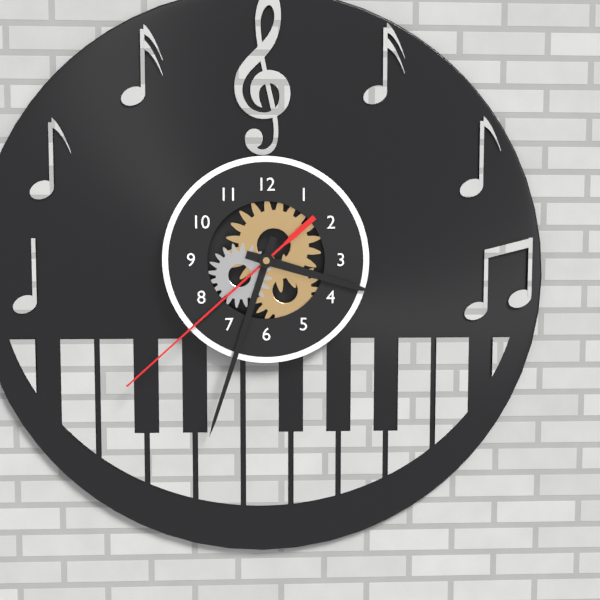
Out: **3:33:38**
